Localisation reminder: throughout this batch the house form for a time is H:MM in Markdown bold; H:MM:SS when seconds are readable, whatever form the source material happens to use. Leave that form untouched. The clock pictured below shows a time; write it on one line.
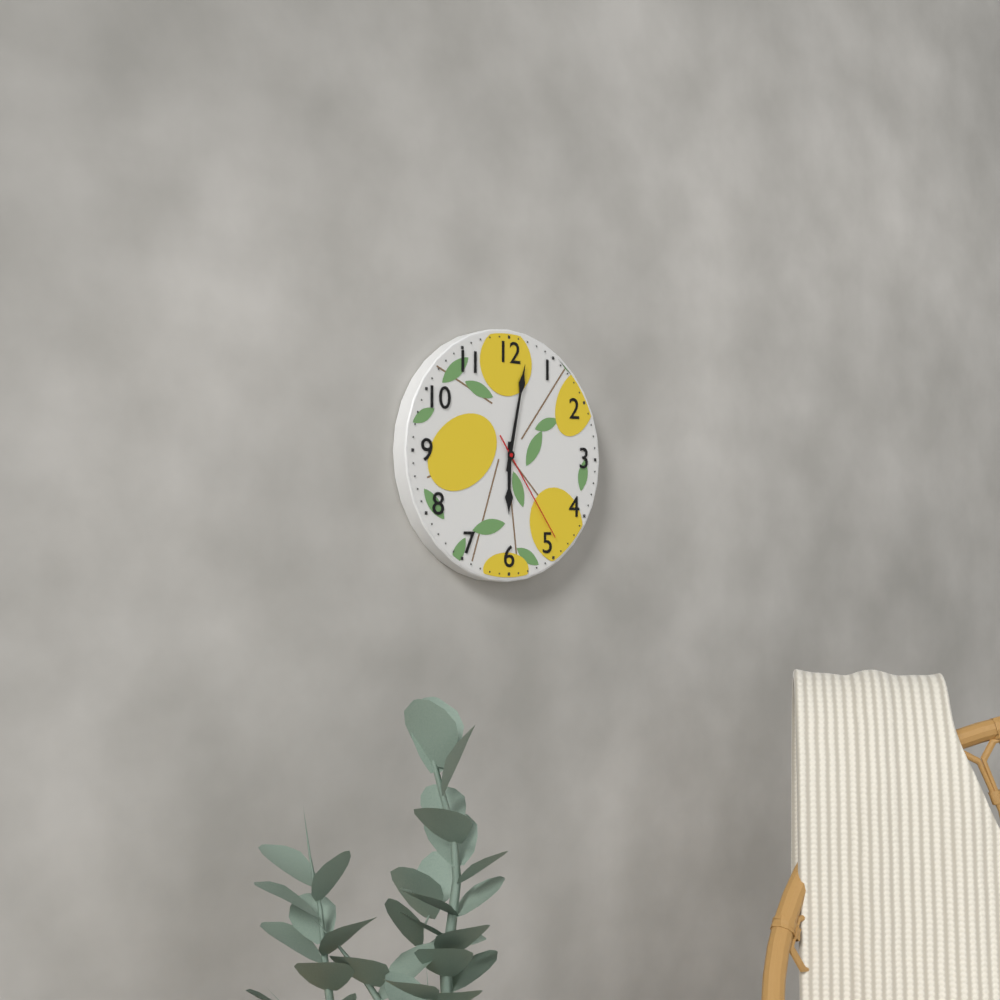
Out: **6:02:24**
